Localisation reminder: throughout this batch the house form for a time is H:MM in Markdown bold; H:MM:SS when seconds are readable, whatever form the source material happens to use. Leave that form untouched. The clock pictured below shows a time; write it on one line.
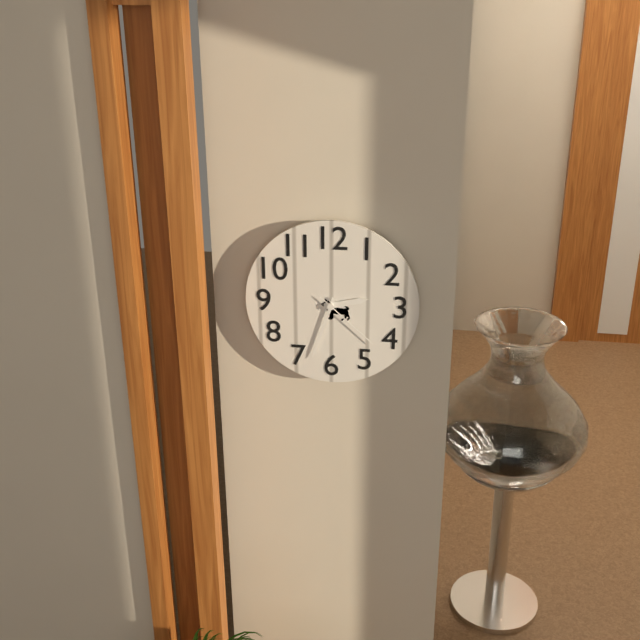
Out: **2:33:22**
